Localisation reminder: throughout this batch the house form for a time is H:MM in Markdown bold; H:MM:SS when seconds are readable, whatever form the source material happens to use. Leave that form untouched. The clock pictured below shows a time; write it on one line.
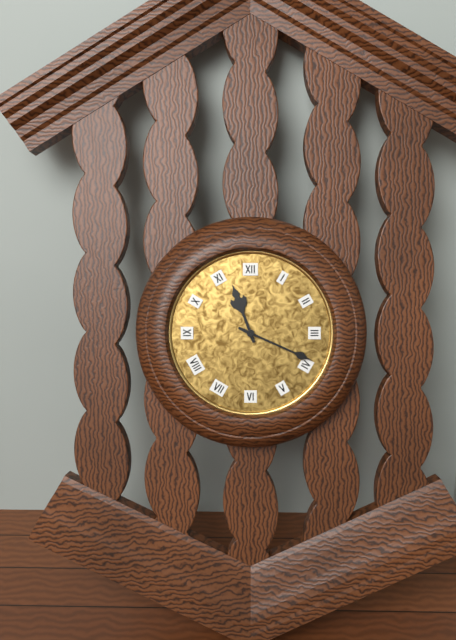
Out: **11:19**
